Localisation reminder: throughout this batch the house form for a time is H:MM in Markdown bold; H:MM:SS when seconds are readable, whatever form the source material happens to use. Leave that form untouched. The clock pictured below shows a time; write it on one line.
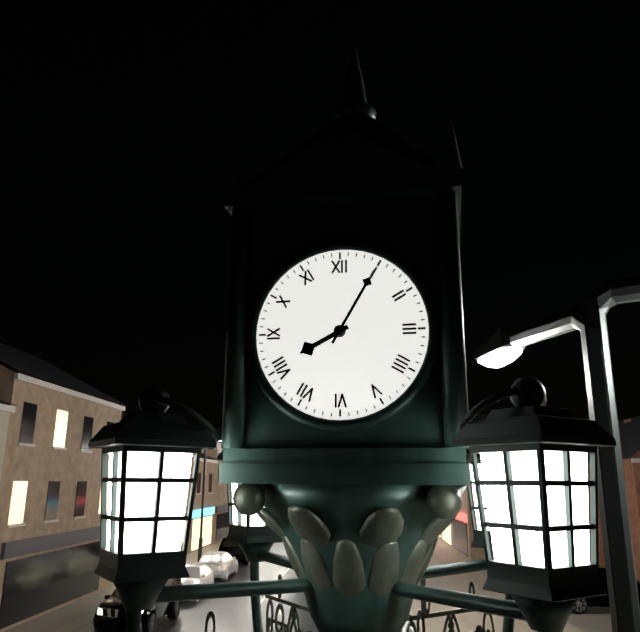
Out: **8:05**
